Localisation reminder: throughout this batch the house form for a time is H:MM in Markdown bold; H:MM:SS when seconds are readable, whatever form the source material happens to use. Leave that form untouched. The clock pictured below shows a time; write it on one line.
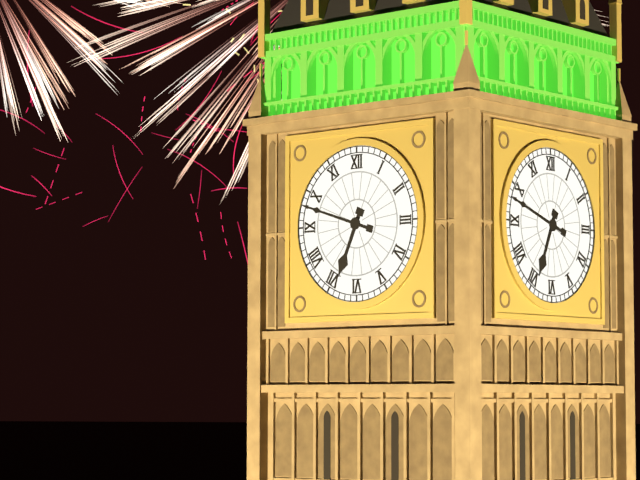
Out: **6:48**
